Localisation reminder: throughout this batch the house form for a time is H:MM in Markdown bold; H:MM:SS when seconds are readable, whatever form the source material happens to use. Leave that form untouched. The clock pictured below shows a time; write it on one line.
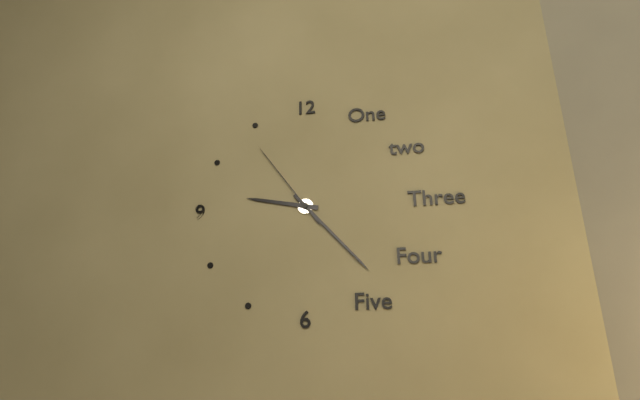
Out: **9:23:54**
